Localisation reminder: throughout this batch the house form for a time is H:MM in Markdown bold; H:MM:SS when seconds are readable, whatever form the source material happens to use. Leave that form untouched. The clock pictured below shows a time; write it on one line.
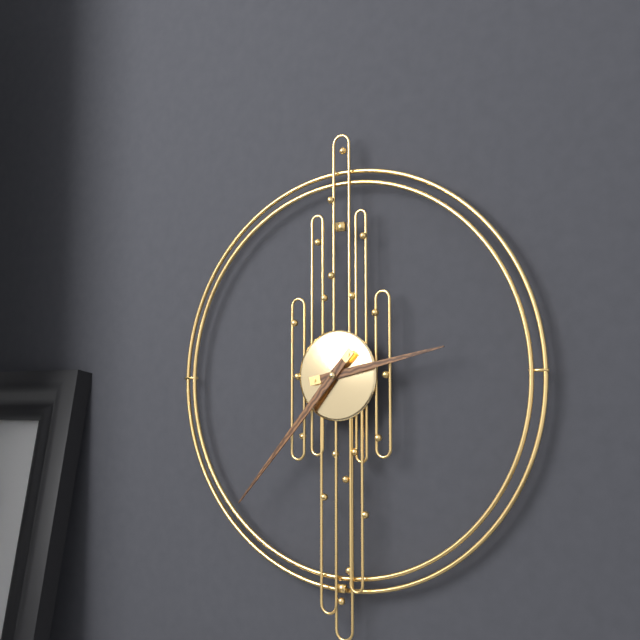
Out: **2:37**
